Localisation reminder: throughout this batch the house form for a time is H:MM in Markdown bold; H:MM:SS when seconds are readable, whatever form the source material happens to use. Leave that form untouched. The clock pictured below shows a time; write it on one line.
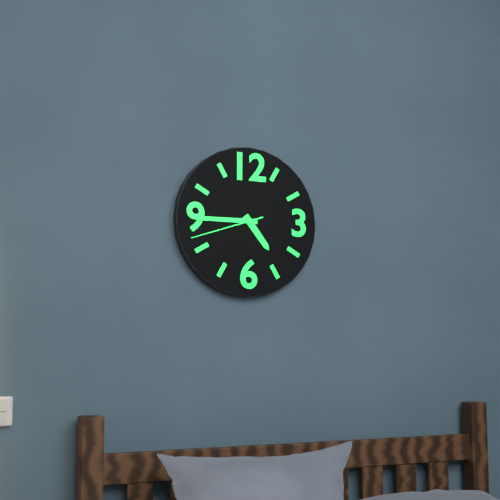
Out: **4:45:42**
